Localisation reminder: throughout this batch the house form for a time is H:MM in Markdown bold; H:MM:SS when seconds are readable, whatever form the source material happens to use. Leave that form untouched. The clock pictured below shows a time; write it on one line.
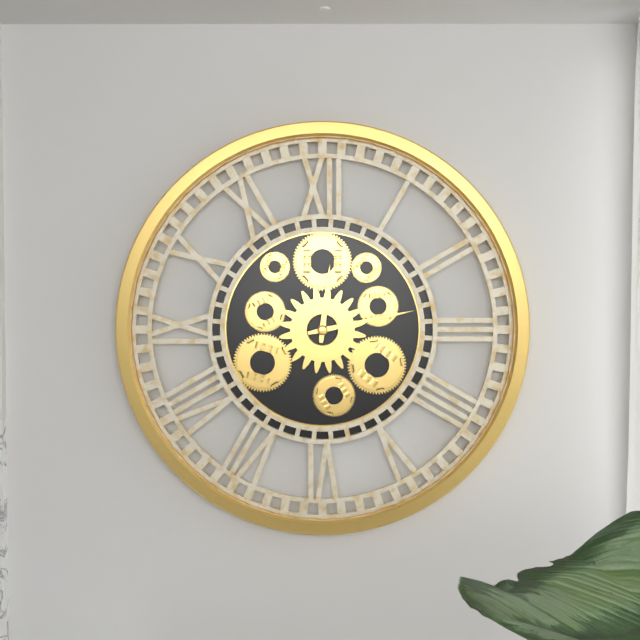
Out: **12:13**
